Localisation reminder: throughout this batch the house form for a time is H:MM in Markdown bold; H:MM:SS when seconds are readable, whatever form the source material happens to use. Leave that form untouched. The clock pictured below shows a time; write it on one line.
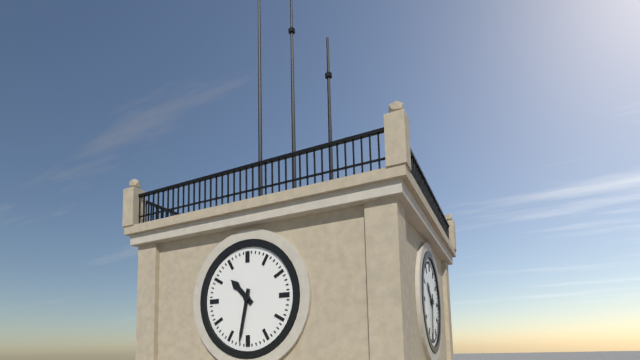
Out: **10:32**
